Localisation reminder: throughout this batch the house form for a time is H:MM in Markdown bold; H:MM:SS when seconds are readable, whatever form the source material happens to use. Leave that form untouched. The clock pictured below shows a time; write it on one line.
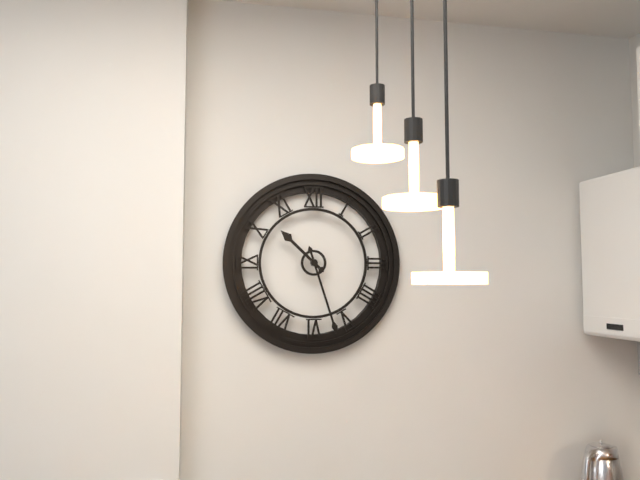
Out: **10:27**
